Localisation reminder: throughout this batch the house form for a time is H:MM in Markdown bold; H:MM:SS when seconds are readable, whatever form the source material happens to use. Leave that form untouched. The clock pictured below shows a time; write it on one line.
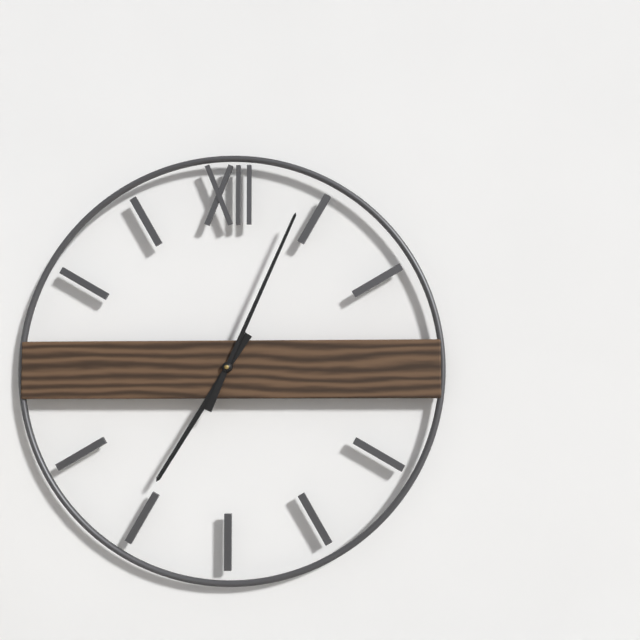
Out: **7:04**
